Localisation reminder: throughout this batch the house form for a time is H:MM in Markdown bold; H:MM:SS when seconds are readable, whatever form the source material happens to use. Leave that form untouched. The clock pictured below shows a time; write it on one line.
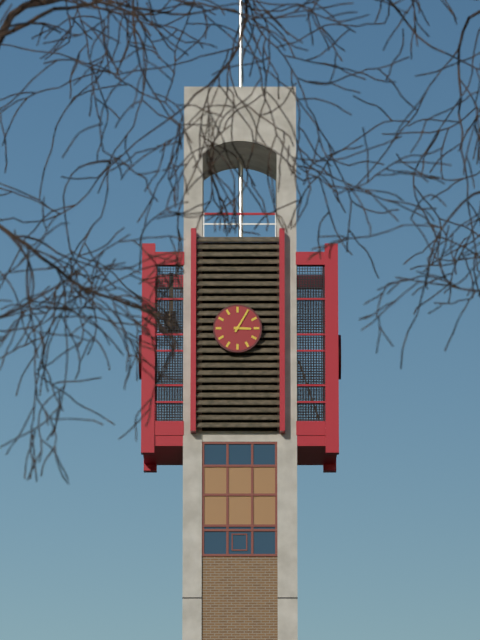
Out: **3:05**
